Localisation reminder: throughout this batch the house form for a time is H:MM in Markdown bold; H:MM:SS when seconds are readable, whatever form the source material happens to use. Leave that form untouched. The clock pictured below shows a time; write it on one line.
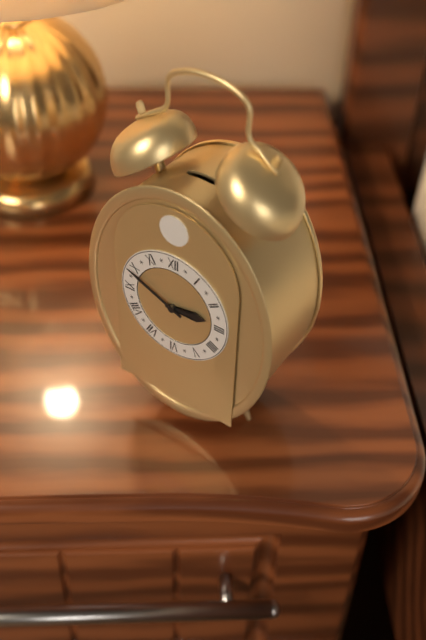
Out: **2:49**
